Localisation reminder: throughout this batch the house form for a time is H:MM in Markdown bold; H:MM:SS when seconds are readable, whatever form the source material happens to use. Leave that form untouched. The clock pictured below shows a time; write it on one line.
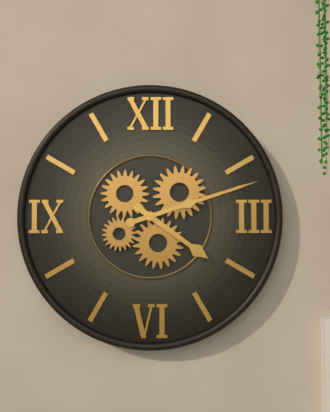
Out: **4:12**
